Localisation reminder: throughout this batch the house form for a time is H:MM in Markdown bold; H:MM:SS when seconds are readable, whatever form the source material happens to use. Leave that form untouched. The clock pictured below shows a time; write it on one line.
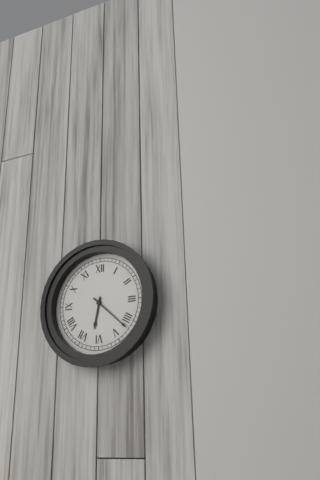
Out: **6:22**
